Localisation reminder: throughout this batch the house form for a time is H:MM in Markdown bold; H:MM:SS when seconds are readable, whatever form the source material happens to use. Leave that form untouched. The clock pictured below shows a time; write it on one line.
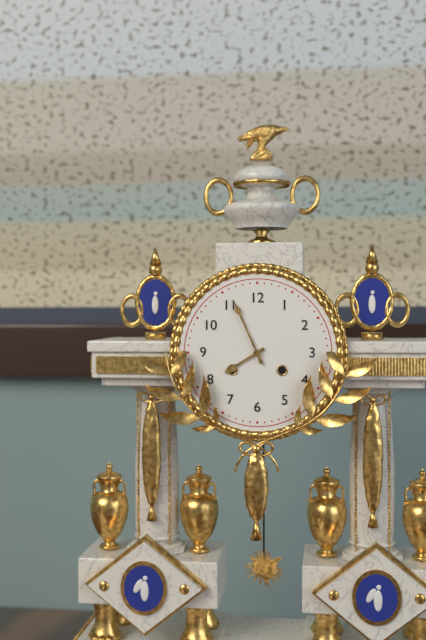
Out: **7:56**
